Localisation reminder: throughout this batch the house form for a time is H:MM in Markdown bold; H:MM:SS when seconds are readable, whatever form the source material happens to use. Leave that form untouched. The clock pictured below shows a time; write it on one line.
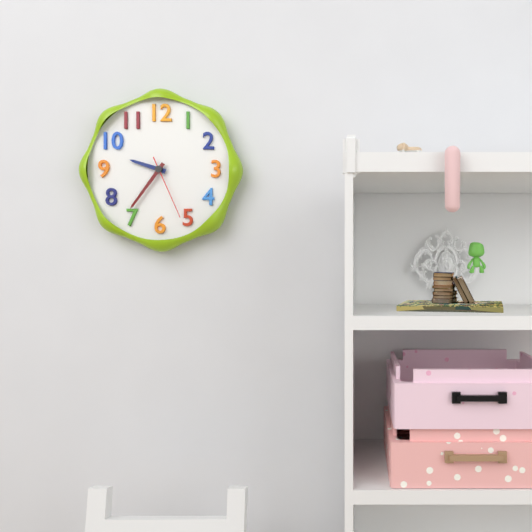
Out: **9:36:26**
